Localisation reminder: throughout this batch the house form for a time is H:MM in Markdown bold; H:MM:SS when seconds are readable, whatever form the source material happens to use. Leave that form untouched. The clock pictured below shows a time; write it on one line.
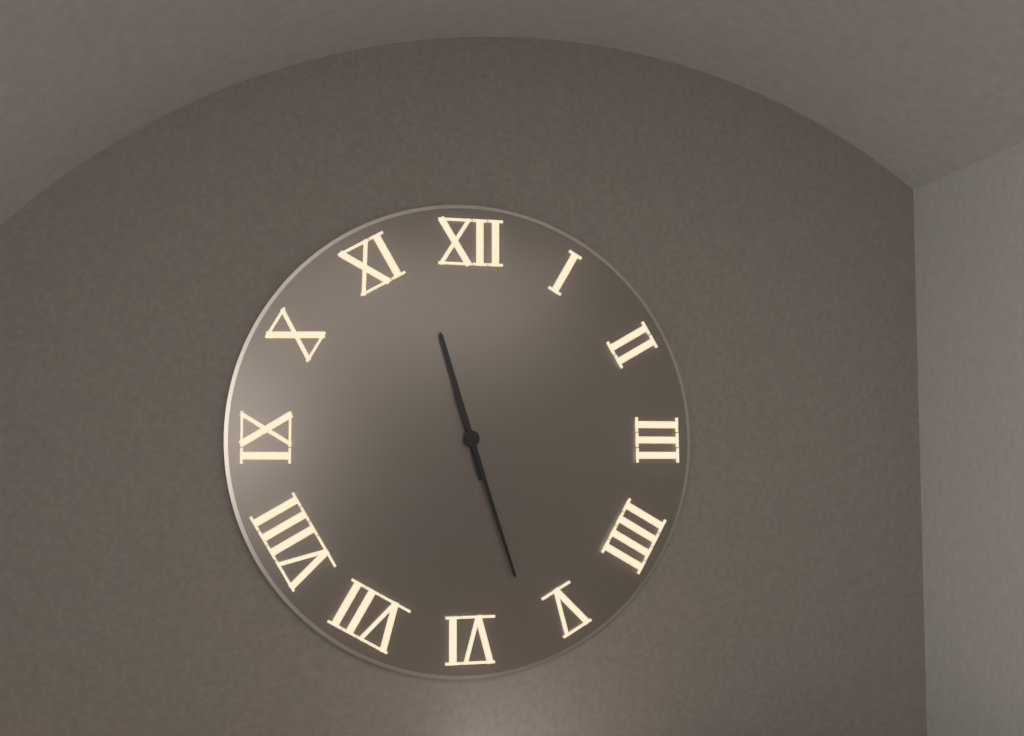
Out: **11:27**
